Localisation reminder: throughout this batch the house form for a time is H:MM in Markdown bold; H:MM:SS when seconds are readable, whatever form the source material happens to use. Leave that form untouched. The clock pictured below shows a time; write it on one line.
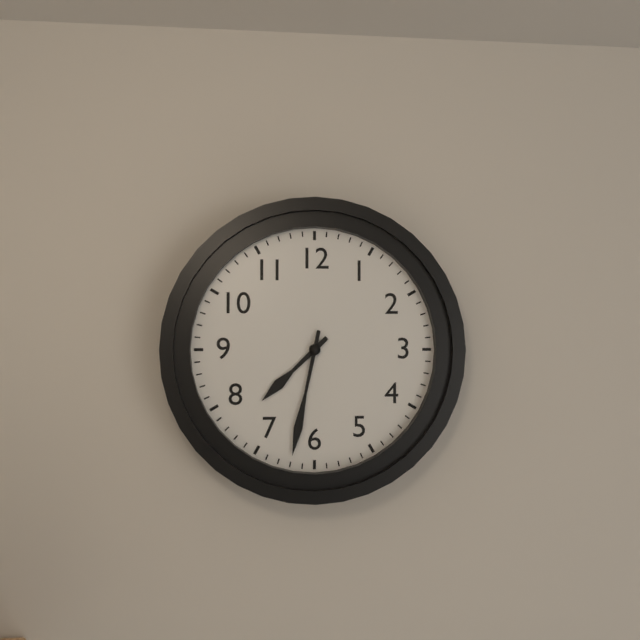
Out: **7:32**
